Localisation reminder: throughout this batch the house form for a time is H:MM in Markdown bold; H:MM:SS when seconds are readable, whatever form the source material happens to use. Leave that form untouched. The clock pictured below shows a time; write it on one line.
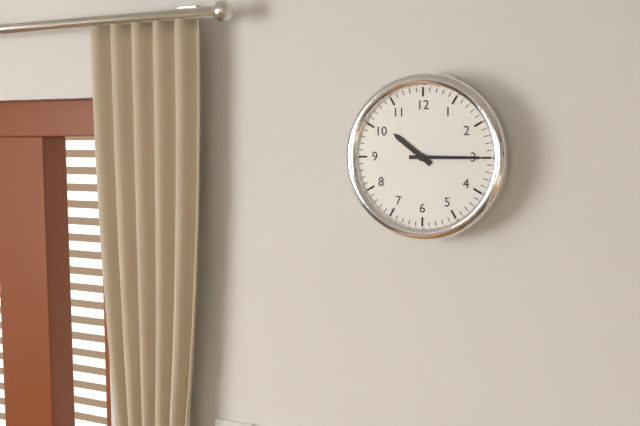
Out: **10:15**
